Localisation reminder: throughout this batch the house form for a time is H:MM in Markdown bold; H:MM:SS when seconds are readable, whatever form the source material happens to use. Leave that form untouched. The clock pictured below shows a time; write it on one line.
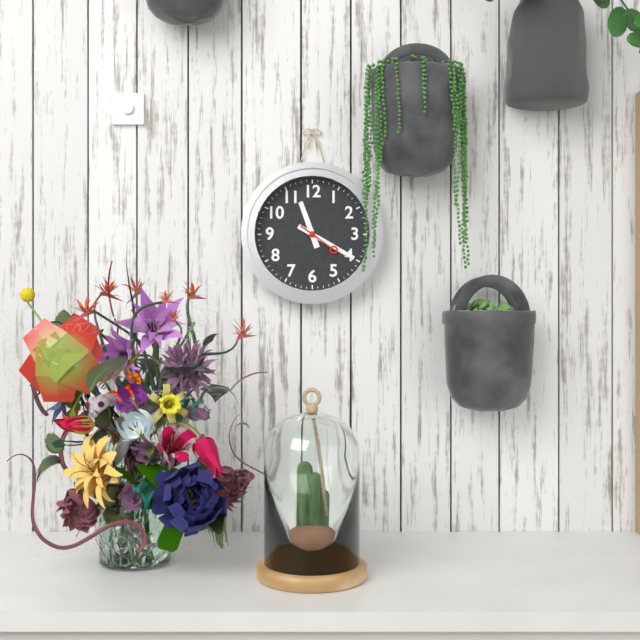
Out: **11:20**
